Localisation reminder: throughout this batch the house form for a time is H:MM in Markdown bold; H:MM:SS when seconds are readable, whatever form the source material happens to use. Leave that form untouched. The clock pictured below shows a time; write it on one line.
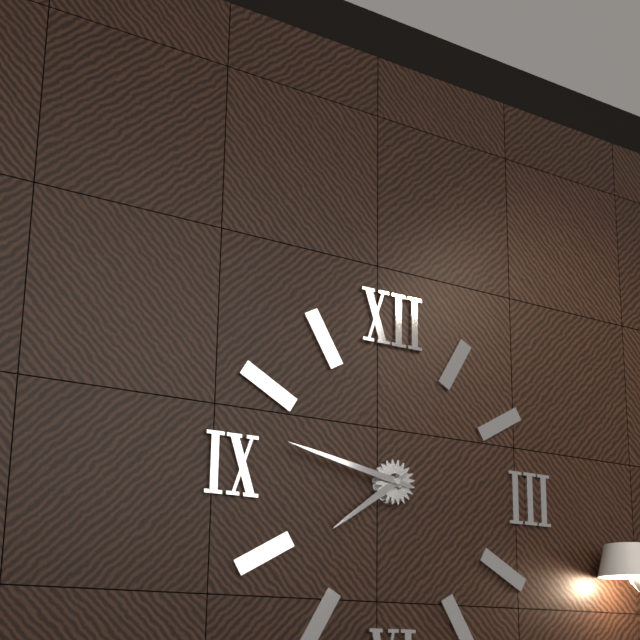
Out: **7:47**
